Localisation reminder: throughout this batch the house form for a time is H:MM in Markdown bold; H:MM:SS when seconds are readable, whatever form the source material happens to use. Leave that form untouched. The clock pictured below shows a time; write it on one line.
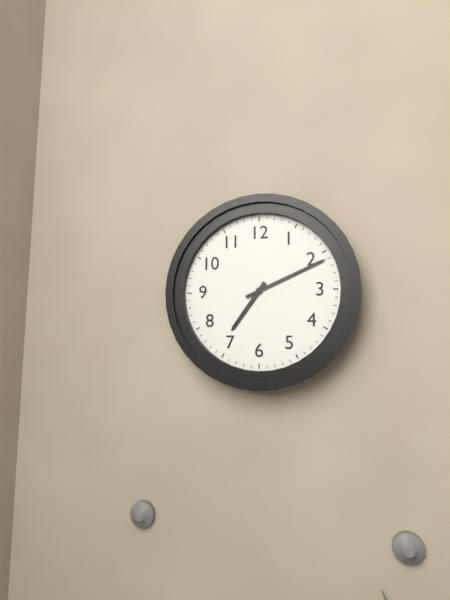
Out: **7:11**
